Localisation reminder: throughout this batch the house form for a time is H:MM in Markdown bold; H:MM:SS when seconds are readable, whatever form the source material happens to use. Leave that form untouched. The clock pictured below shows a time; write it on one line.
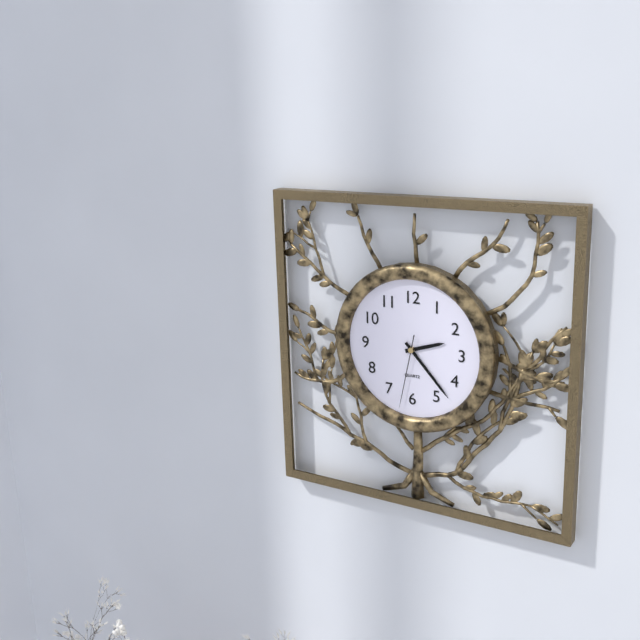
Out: **2:23:32**
